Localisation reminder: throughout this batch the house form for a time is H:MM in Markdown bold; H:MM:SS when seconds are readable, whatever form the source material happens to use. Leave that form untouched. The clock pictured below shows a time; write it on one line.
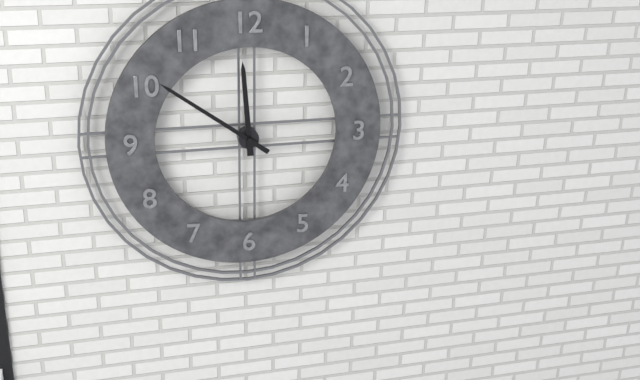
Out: **11:51**
